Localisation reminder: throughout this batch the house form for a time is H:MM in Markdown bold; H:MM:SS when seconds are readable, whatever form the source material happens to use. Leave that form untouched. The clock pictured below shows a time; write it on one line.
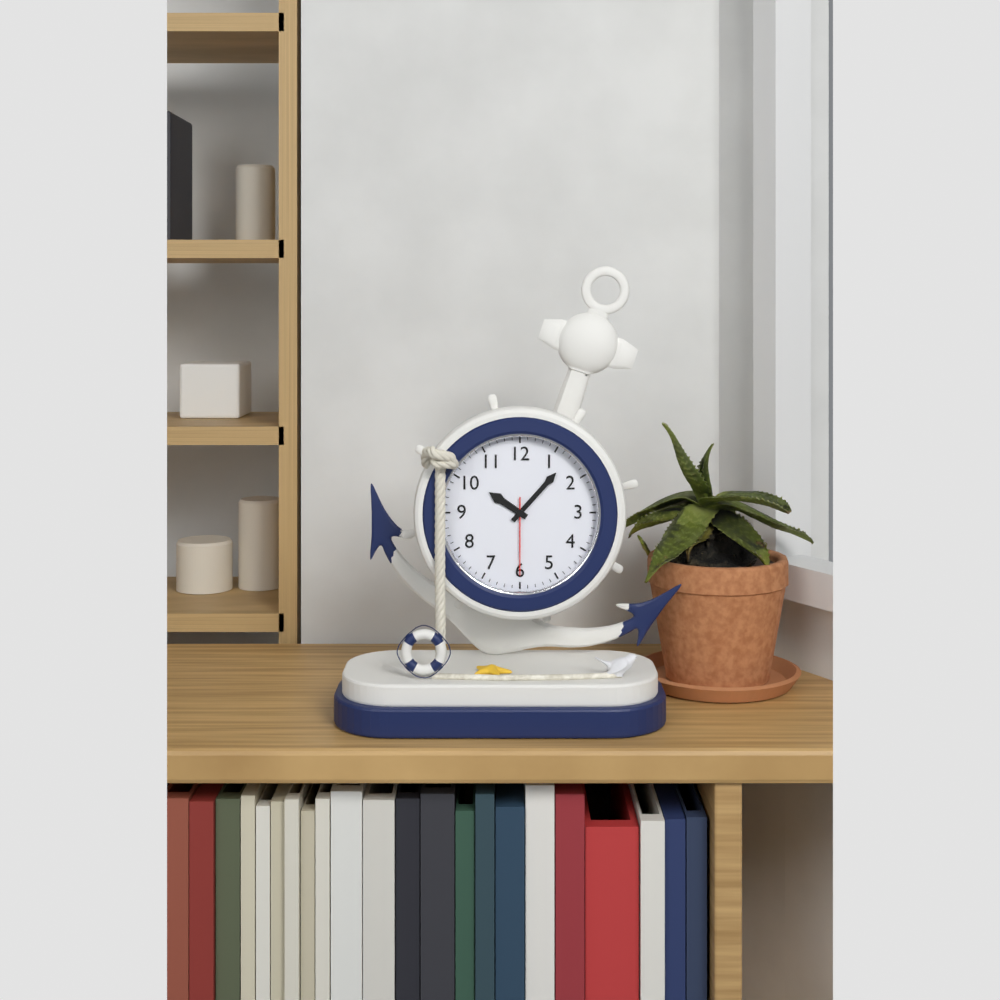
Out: **10:07:30**
